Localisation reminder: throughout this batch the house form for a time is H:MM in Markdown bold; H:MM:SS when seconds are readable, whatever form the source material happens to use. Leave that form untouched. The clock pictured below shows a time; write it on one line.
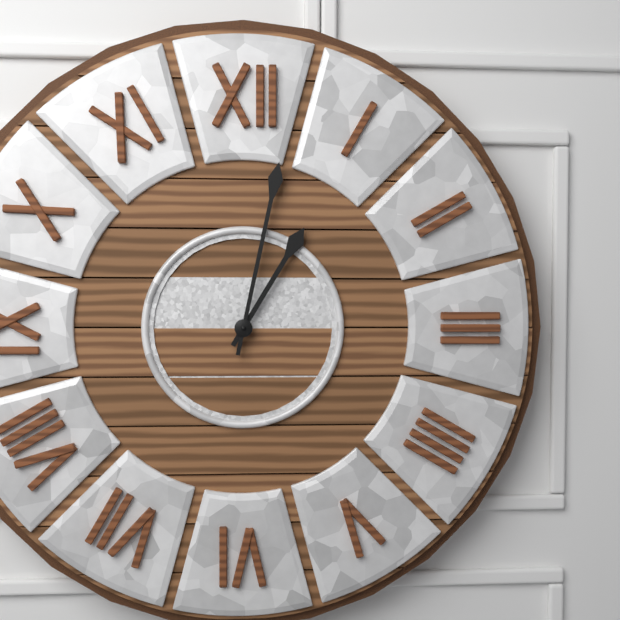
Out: **1:02**
